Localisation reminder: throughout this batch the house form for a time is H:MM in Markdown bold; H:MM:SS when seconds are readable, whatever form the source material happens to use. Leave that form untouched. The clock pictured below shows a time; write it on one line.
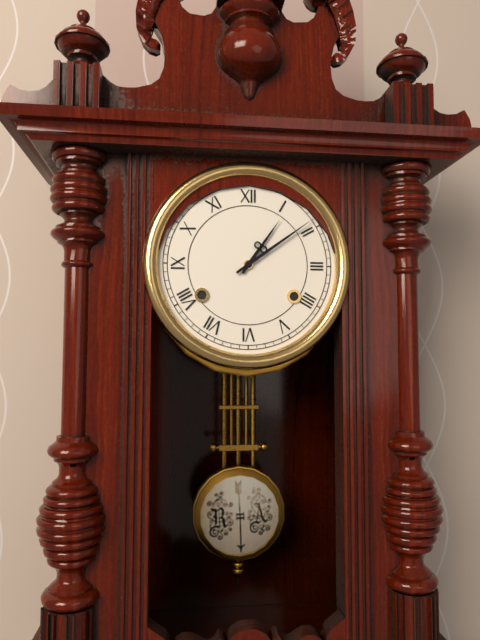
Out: **1:09**
